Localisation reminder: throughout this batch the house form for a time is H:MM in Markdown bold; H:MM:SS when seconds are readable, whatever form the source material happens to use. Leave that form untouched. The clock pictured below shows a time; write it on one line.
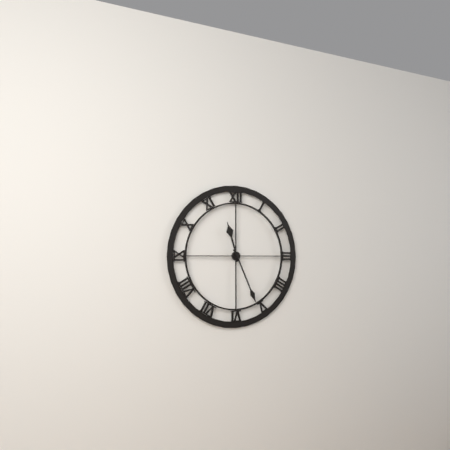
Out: **11:26**
